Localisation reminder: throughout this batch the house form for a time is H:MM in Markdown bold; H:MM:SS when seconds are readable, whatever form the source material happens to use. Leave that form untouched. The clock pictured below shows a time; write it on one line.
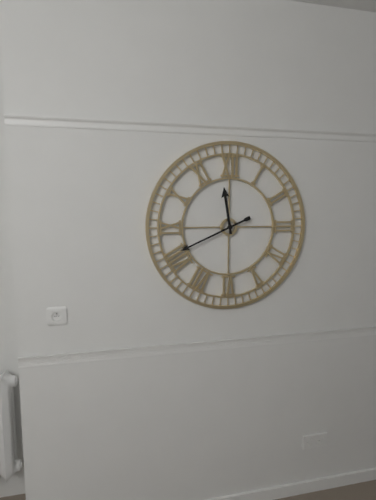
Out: **11:41**
